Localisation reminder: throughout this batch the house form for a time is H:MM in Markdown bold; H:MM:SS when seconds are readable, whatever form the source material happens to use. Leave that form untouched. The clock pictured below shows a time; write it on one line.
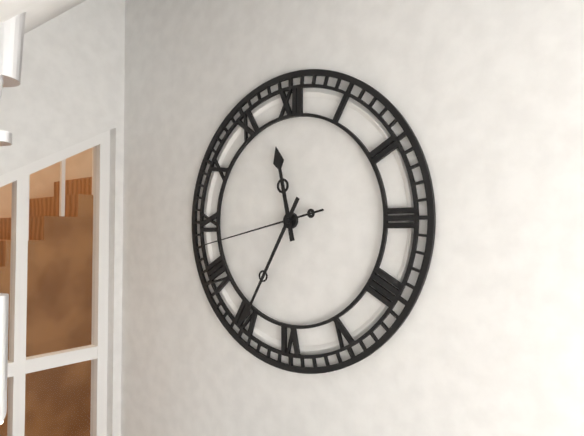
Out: **11:35:43**
